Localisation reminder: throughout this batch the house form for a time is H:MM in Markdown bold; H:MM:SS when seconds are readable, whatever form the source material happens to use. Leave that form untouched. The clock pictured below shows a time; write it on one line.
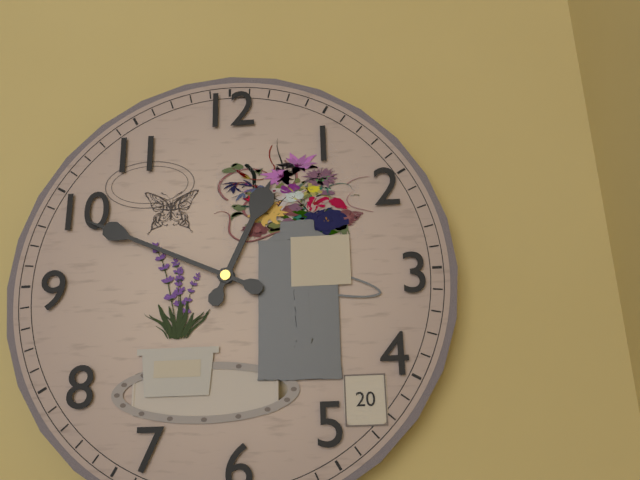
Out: **12:49**
